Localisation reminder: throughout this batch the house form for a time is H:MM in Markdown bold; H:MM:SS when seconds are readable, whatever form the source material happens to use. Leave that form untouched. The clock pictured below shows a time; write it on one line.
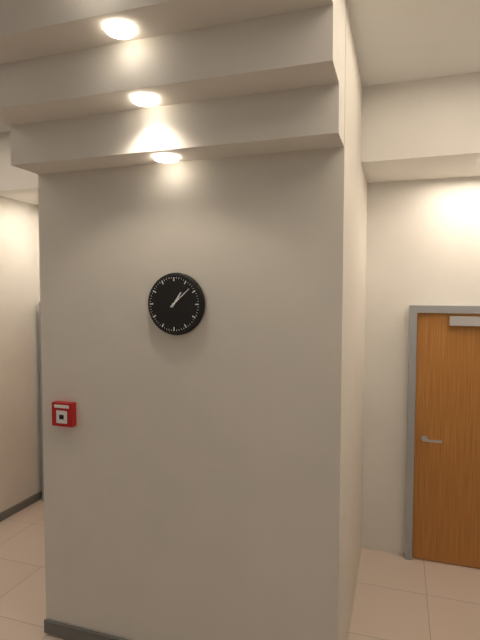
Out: **1:08**
